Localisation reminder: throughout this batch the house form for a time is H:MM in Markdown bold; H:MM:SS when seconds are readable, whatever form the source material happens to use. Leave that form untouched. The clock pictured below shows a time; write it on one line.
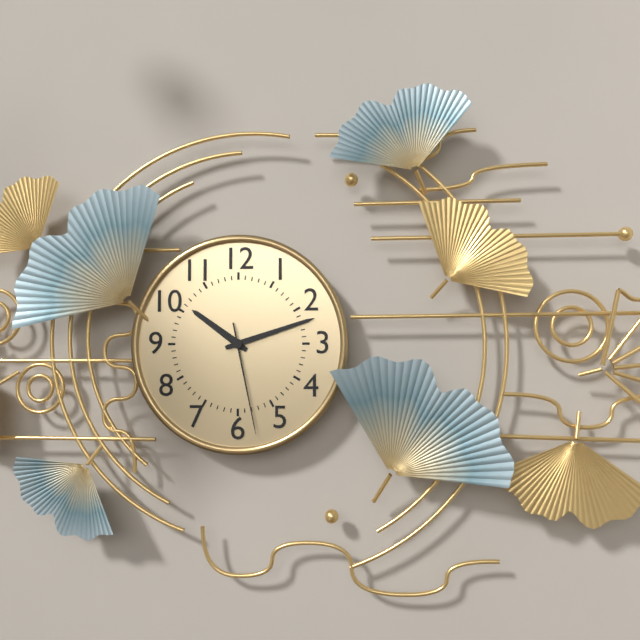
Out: **10:12:28**
